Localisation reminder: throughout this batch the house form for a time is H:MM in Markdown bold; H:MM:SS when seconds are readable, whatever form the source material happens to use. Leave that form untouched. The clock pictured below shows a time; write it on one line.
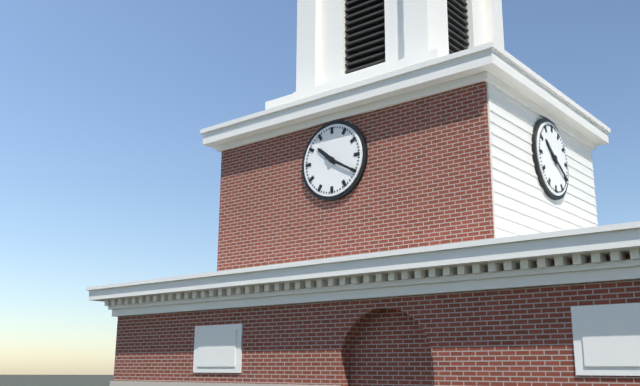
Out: **10:20**
